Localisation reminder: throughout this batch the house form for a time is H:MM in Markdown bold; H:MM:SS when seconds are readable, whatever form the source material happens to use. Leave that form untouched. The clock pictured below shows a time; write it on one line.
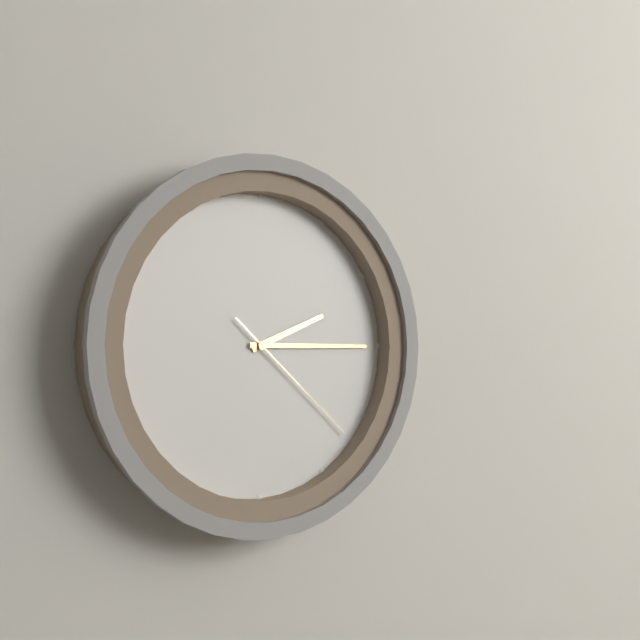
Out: **2:15:22**
